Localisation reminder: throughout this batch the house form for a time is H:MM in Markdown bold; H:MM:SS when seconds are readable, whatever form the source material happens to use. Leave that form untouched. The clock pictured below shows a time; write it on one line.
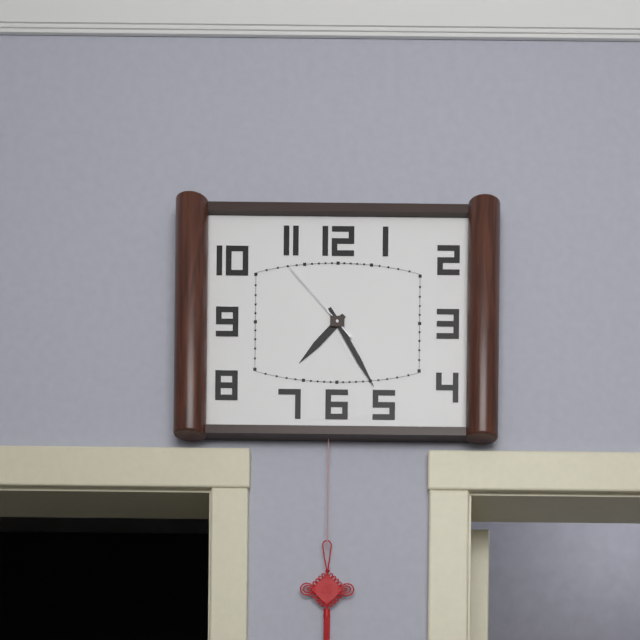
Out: **7:25:53**
